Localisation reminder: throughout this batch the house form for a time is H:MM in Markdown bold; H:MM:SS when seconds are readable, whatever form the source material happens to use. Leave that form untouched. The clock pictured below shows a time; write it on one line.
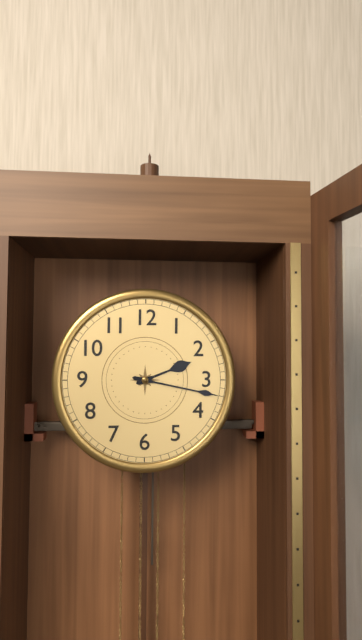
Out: **2:17**
